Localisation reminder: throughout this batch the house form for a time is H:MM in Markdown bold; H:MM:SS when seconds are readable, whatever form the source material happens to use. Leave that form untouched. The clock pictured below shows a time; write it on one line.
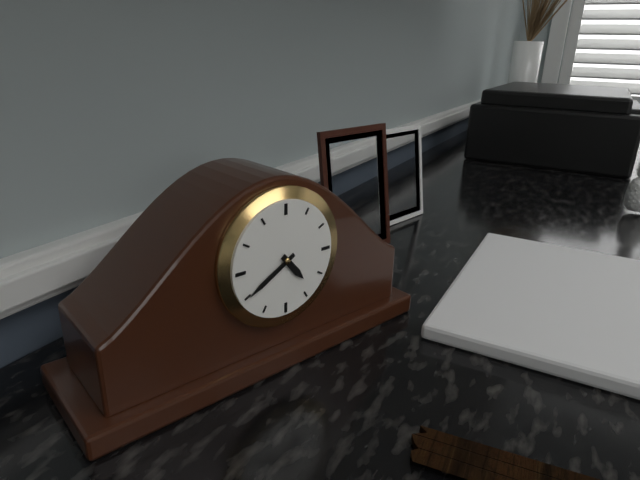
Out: **4:40**
